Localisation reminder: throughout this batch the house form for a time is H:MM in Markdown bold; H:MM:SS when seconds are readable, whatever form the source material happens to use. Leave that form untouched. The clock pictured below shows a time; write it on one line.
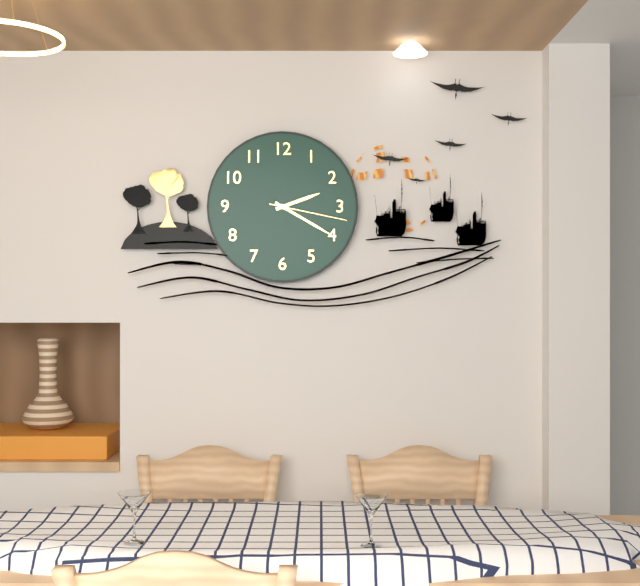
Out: **2:20:17**
